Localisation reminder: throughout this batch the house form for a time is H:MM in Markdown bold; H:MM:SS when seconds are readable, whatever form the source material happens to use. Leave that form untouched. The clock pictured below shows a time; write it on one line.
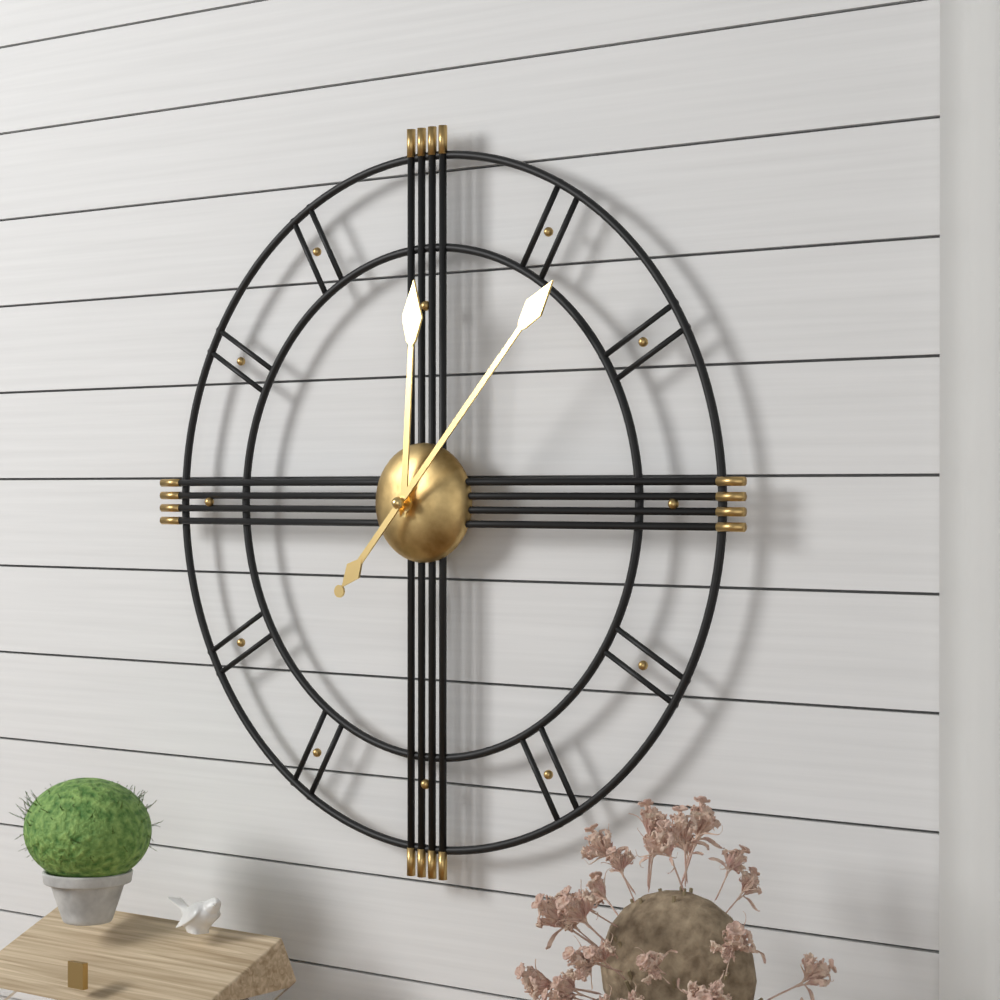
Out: **12:07**
